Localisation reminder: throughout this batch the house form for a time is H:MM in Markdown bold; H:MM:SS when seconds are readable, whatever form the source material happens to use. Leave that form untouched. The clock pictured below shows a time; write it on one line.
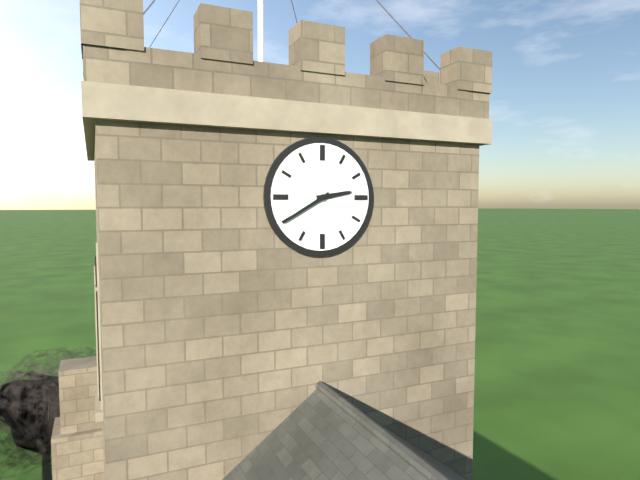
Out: **2:40**
